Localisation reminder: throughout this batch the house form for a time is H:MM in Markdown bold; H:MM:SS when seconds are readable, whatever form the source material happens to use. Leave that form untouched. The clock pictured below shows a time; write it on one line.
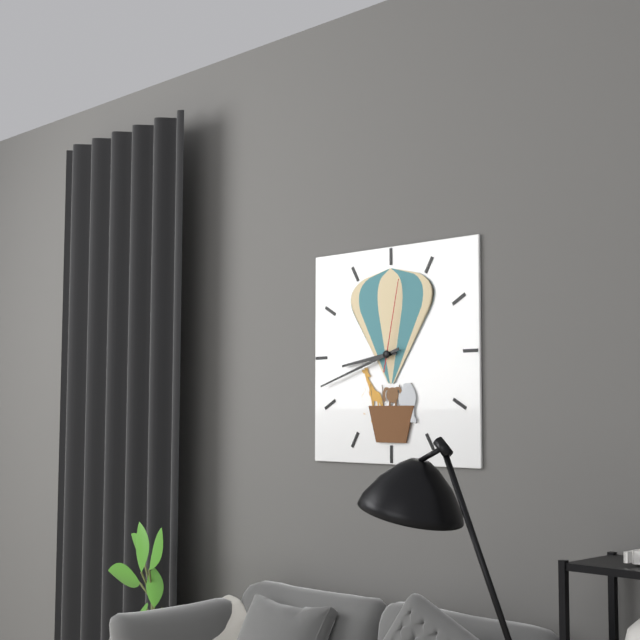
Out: **8:42:02**
